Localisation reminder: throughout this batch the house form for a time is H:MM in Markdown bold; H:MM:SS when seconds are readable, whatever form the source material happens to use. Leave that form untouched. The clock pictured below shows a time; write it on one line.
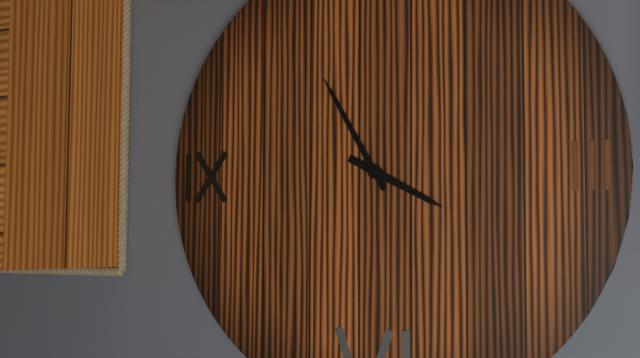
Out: **3:55**
